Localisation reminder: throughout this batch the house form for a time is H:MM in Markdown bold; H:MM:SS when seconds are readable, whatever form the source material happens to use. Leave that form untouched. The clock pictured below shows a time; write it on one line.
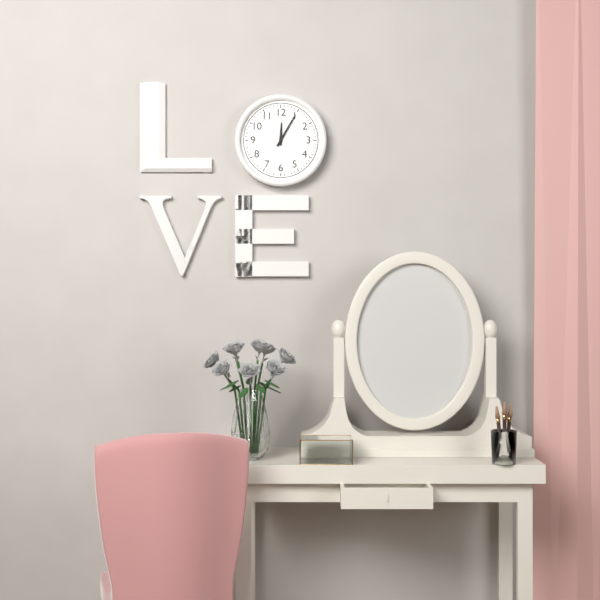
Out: **12:05**
